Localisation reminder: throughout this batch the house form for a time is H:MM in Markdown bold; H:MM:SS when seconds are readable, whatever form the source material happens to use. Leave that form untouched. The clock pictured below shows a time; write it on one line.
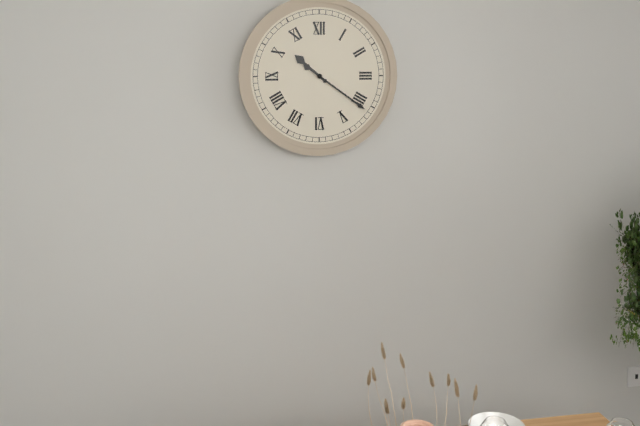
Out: **10:21**
